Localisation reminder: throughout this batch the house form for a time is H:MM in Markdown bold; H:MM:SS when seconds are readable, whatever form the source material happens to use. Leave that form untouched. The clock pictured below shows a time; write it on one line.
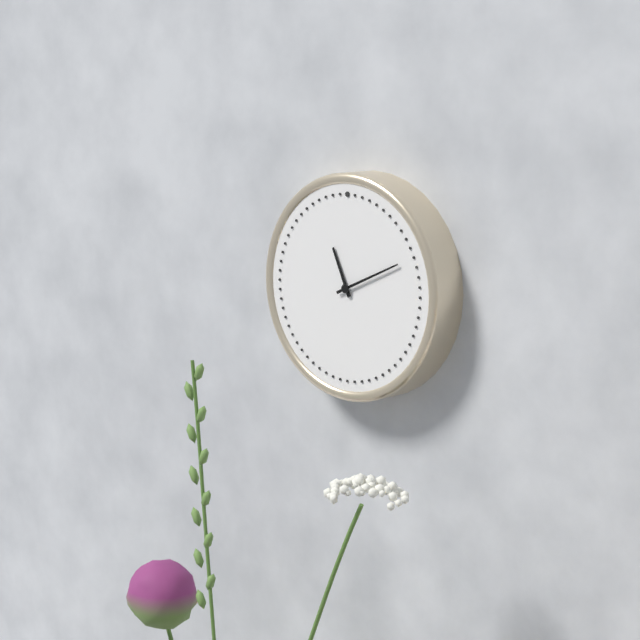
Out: **11:11**
